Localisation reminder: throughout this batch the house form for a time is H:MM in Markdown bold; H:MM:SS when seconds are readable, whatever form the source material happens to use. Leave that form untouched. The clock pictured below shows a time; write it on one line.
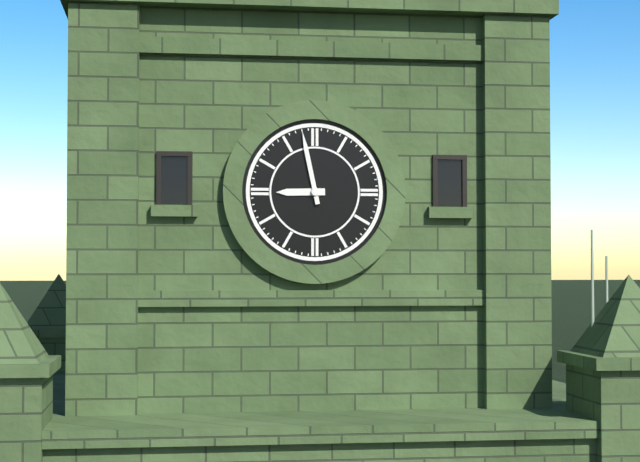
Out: **8:58**
